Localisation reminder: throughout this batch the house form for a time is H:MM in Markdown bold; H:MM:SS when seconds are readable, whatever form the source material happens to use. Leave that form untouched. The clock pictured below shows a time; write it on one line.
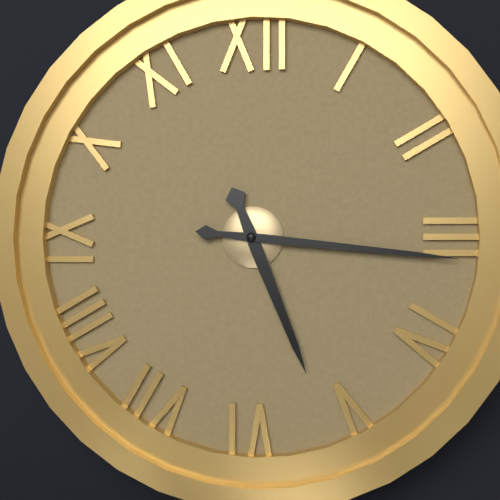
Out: **5:16**
